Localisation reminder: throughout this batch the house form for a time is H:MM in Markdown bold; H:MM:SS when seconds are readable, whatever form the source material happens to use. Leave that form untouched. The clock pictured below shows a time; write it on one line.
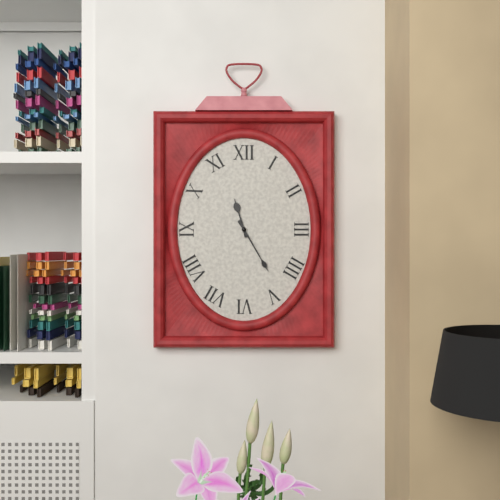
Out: **11:25**
